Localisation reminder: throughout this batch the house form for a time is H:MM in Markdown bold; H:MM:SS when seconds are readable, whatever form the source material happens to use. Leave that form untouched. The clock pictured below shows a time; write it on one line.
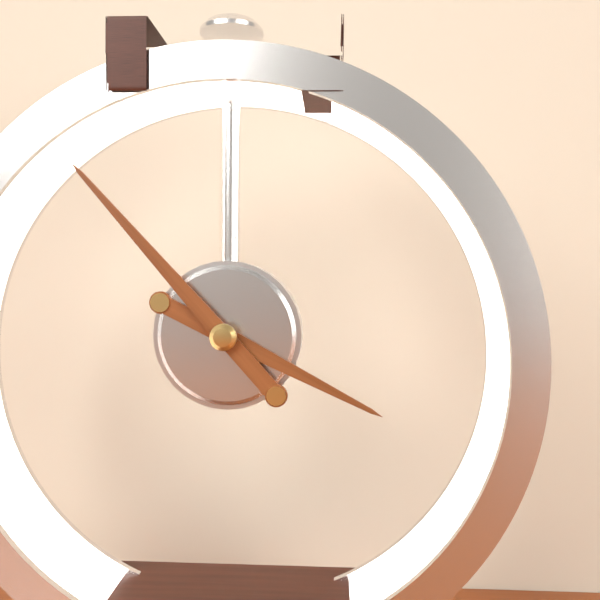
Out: **3:53**
